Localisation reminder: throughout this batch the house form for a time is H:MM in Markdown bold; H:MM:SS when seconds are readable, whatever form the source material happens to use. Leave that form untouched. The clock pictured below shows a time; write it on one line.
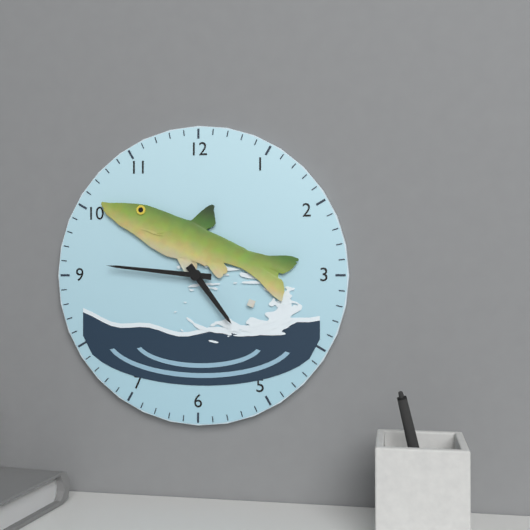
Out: **4:46**
